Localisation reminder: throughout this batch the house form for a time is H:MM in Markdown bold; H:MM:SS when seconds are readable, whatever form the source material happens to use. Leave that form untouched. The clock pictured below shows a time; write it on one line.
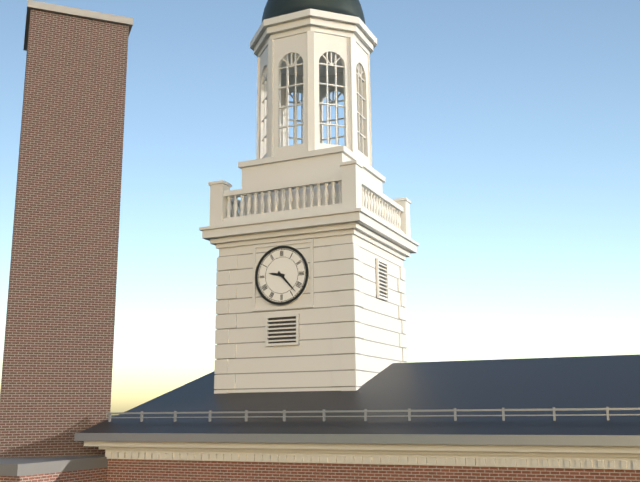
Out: **9:23**
